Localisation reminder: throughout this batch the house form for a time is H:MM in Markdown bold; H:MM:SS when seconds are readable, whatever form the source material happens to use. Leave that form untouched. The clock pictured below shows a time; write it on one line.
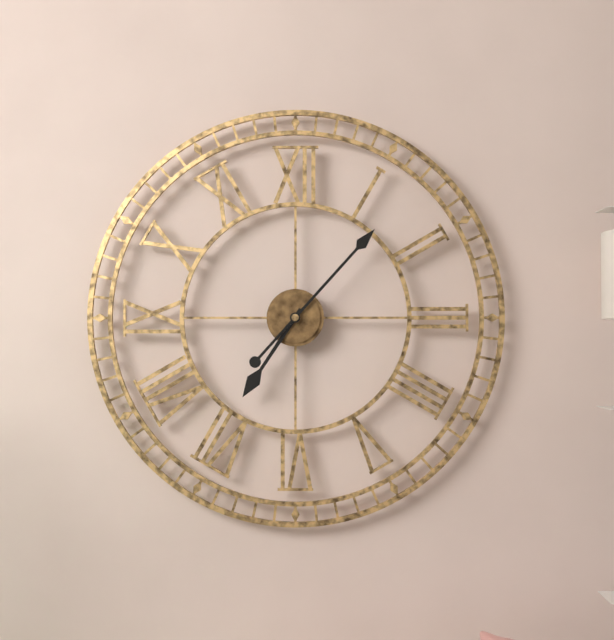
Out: **7:07**
